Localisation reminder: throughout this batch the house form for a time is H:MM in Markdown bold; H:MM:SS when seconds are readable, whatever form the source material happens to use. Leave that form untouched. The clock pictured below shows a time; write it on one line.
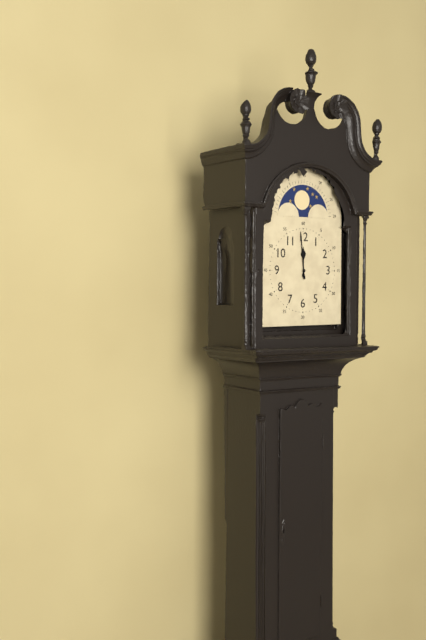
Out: **11:59**
